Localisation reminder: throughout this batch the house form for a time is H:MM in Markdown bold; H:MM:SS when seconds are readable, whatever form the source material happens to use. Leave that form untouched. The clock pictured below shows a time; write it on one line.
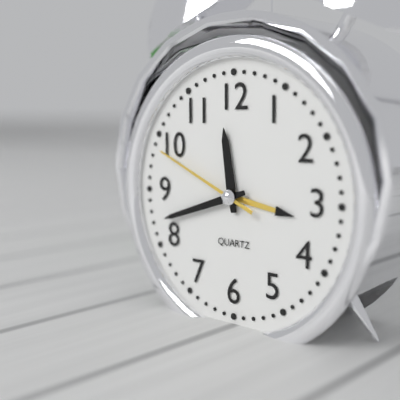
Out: **11:42:49**
